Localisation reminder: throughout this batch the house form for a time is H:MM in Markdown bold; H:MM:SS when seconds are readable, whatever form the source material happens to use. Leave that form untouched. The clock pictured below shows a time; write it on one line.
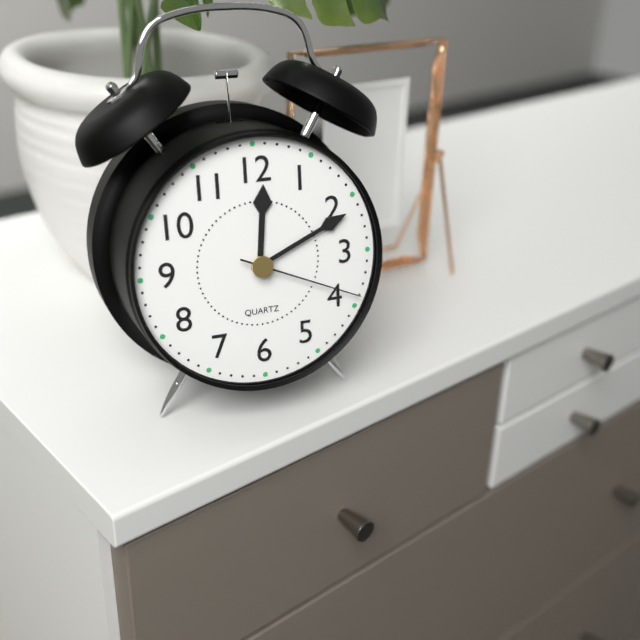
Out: **12:11:19**
